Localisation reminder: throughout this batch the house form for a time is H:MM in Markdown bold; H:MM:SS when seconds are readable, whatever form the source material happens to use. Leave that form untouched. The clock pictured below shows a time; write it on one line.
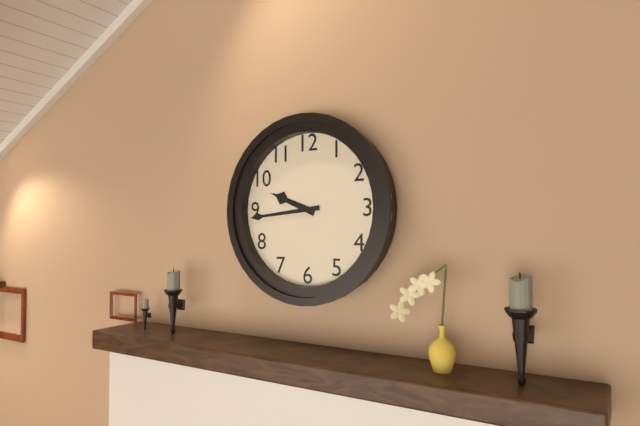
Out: **9:44**
